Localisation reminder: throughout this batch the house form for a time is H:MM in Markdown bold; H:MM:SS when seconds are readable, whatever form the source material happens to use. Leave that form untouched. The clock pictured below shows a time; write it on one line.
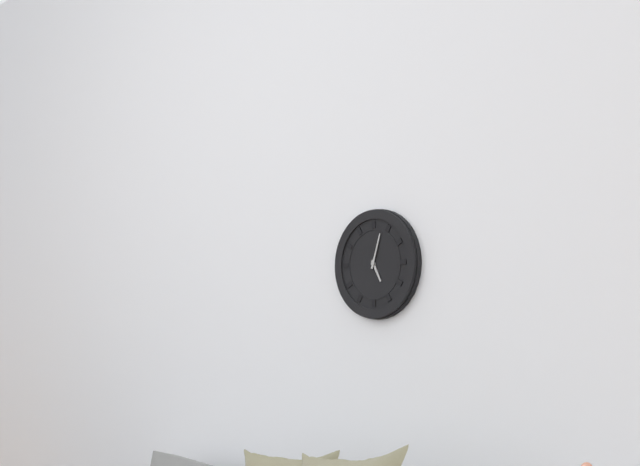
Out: **5:03**
